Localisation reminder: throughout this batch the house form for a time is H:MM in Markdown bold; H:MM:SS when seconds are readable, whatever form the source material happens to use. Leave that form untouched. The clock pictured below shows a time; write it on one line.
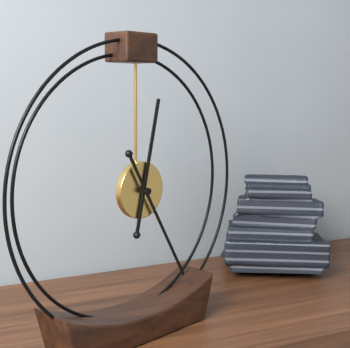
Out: **12:25**
